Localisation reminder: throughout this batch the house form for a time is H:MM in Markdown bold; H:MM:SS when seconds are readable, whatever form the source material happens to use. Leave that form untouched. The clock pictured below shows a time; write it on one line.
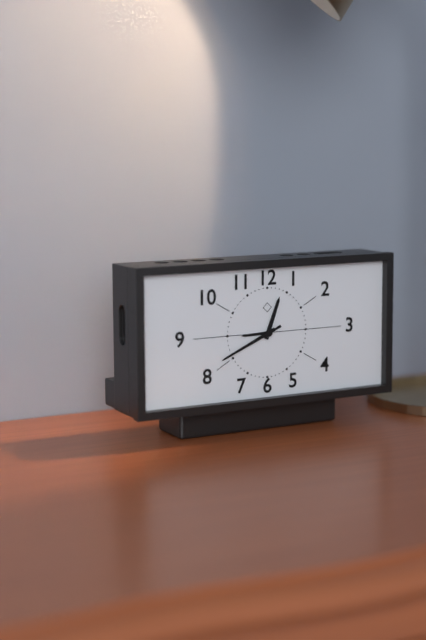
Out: **12:41:41**
